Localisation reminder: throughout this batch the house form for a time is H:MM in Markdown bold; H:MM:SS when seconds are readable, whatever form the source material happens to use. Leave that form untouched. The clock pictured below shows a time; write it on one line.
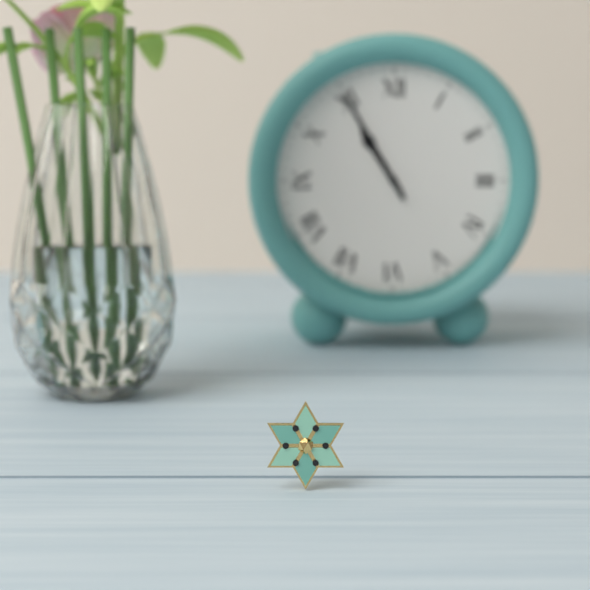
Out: **10:55**
